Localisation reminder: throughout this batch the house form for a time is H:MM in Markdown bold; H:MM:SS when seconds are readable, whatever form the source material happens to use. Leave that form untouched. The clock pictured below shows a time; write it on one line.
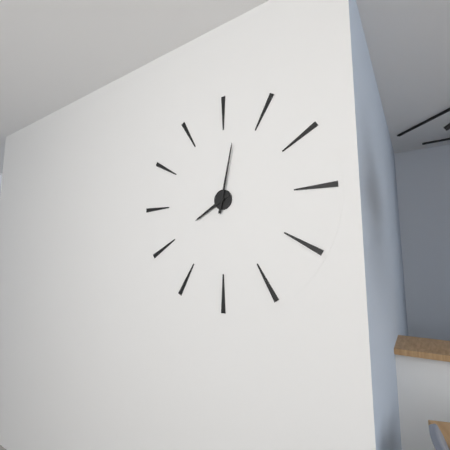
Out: **8:02**
